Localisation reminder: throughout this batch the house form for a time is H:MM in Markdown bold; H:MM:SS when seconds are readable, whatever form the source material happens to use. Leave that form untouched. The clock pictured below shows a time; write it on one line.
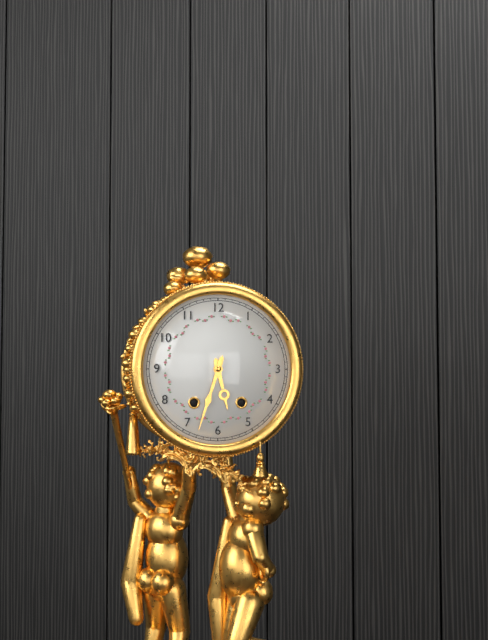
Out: **5:33**
